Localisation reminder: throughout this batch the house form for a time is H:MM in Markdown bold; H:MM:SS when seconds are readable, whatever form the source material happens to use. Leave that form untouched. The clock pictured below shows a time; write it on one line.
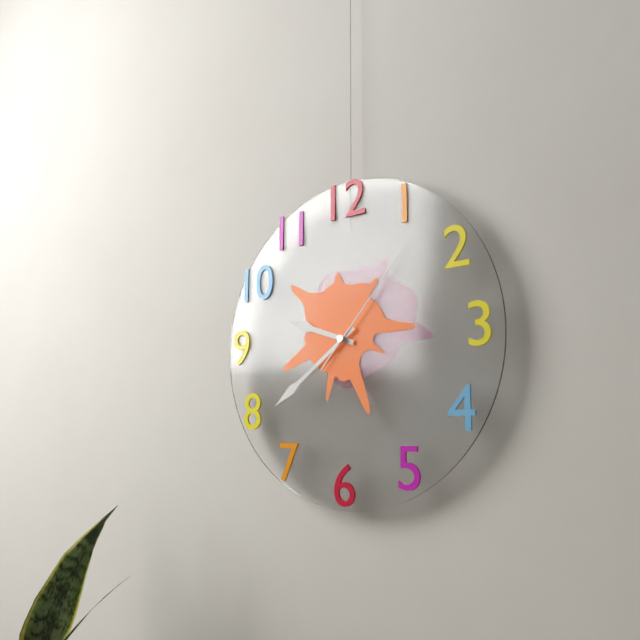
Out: **9:39:07**
